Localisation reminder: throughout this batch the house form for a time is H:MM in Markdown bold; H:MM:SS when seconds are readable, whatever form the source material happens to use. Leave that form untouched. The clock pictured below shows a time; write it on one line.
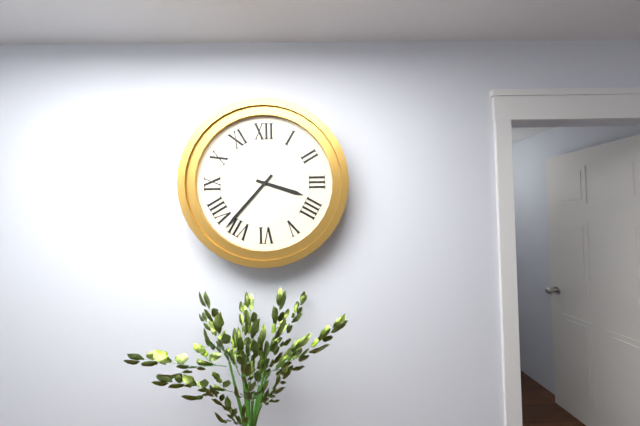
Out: **3:37**
